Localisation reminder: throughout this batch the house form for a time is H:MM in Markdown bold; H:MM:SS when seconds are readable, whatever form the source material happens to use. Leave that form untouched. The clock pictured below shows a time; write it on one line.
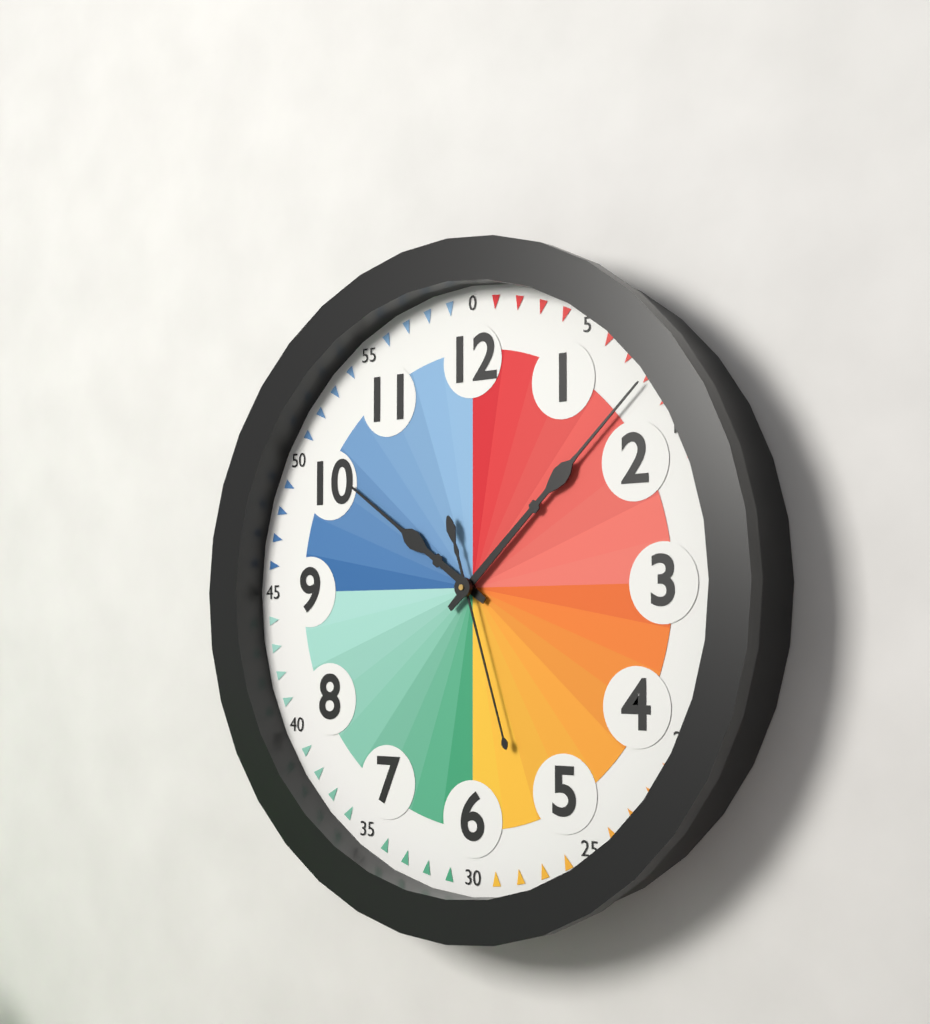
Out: **10:08:27**
